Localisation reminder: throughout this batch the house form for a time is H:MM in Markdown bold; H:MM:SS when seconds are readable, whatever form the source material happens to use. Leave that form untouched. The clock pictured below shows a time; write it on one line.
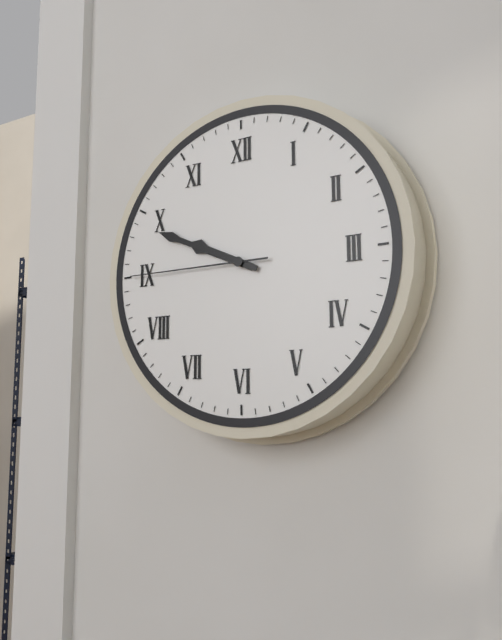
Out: **9:49:45**
